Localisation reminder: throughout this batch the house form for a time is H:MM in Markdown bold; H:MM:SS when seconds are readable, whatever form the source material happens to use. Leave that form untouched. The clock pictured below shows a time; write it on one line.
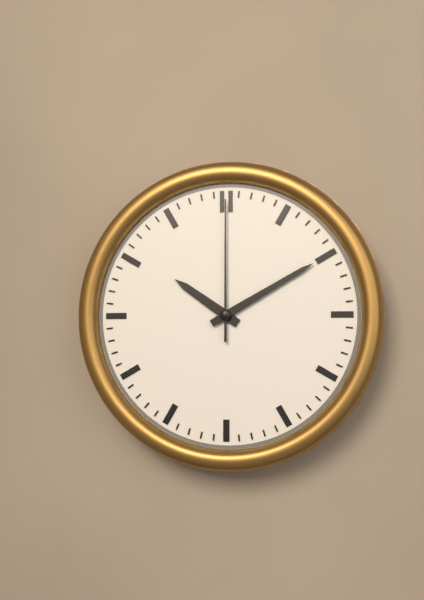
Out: **10:10:00**
